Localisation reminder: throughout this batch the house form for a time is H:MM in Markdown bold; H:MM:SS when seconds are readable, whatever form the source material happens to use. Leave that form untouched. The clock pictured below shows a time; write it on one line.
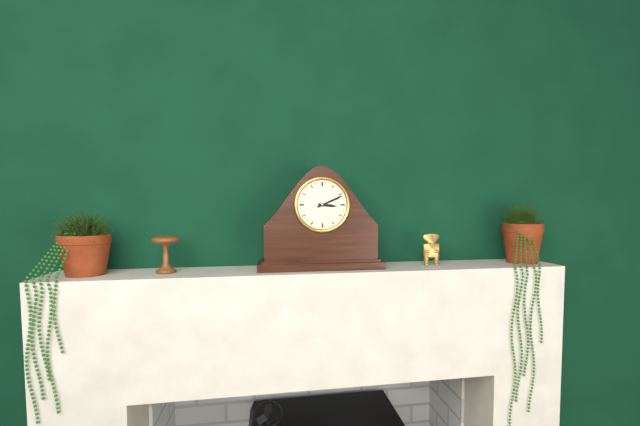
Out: **3:11**
